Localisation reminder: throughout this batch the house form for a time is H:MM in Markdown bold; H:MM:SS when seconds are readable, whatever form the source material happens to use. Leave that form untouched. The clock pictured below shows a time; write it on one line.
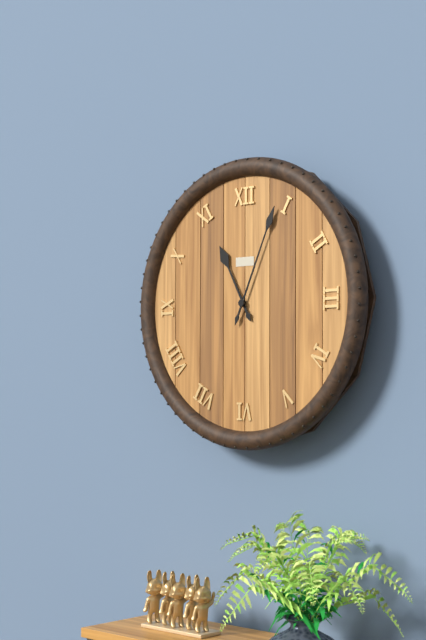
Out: **11:04**
